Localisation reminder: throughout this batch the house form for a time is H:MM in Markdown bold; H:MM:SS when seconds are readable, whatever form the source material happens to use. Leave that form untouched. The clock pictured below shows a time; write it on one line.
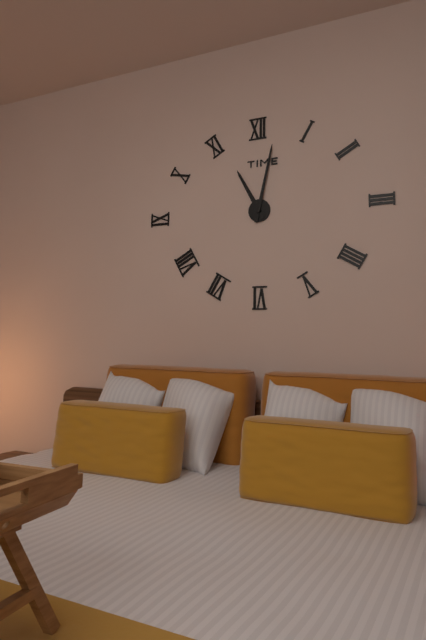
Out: **11:02**
